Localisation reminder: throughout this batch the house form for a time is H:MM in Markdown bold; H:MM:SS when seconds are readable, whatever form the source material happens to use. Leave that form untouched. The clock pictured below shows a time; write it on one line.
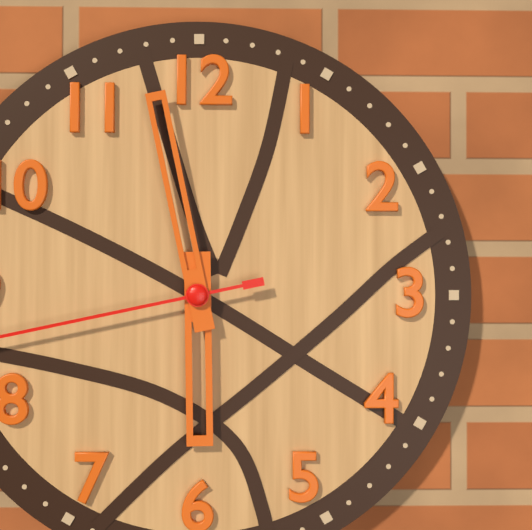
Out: **5:58**
